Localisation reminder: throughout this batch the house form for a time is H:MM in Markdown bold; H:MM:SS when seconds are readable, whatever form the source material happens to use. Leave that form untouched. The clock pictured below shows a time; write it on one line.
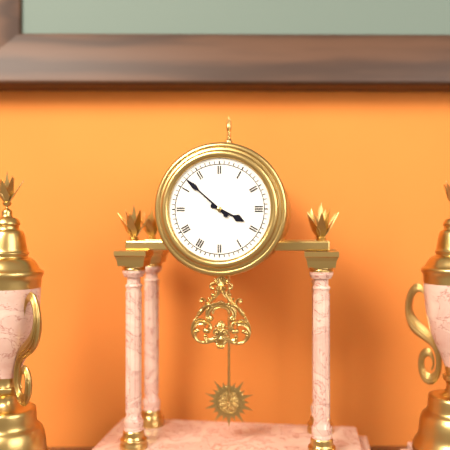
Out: **3:52**
